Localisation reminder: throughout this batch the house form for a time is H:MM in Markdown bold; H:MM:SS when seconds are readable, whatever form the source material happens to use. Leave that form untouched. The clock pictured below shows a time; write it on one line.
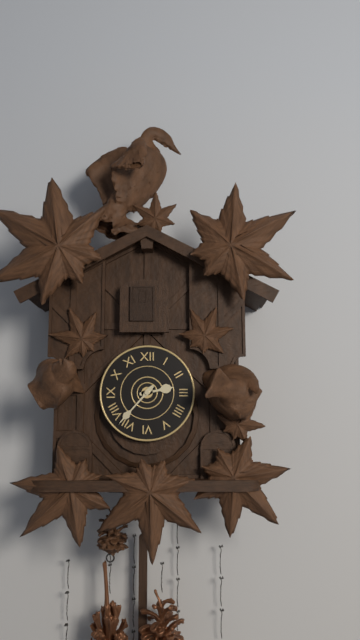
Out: **2:37**
